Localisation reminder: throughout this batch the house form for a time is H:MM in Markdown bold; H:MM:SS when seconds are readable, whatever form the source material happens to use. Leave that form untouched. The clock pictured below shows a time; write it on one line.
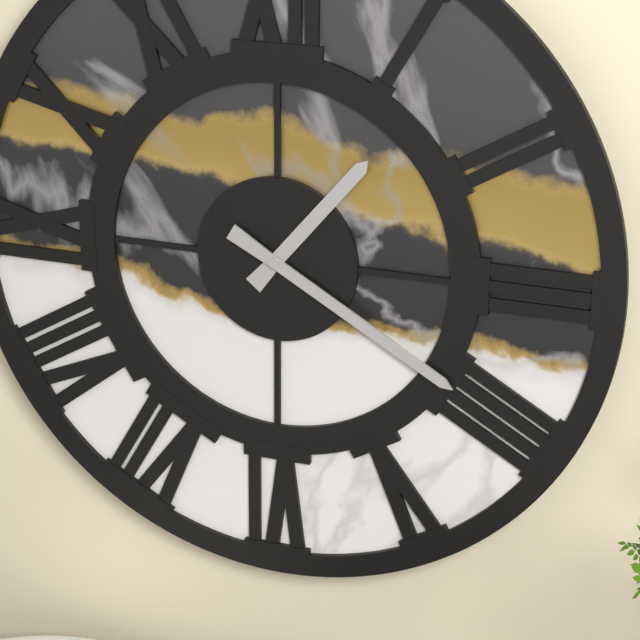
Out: **1:20**
